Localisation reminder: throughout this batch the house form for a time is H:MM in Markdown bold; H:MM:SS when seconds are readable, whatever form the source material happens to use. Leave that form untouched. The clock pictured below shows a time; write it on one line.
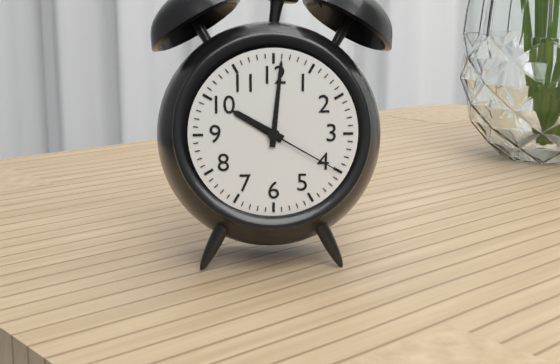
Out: **10:01:20**
